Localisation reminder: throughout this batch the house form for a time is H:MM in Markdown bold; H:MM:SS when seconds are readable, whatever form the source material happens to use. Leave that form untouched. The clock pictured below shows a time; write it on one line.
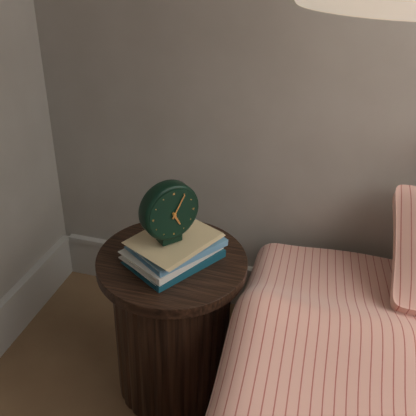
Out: **5:05**
